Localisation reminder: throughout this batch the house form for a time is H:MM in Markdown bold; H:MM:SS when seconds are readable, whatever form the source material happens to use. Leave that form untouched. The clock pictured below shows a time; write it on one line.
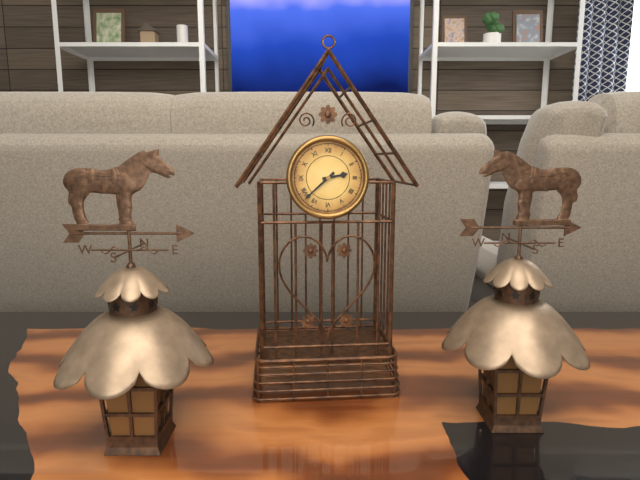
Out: **2:38**
